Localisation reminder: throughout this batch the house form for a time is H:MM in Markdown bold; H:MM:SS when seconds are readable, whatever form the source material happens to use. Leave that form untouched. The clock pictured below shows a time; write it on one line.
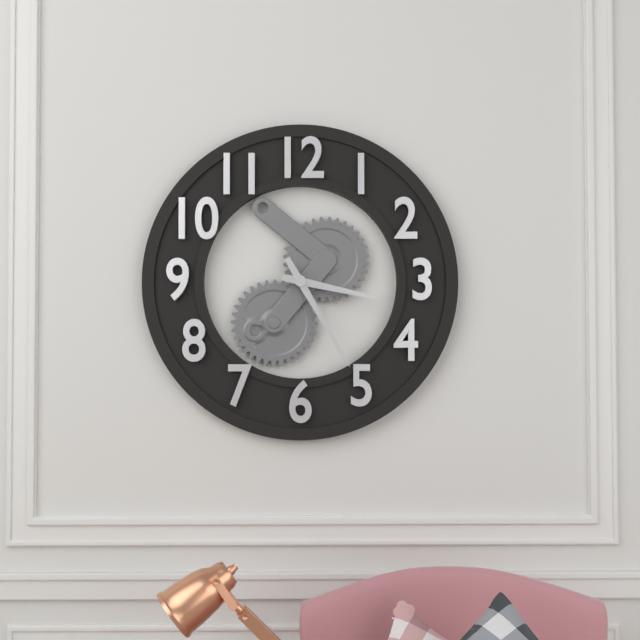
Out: **3:25**
